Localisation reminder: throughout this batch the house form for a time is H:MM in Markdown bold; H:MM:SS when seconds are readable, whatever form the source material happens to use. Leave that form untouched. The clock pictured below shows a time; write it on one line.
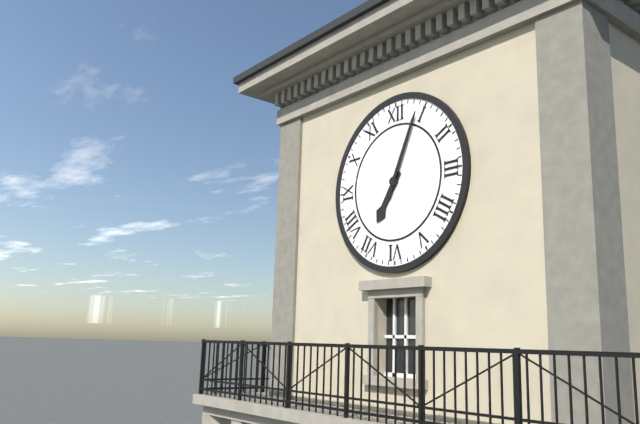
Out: **7:04**
